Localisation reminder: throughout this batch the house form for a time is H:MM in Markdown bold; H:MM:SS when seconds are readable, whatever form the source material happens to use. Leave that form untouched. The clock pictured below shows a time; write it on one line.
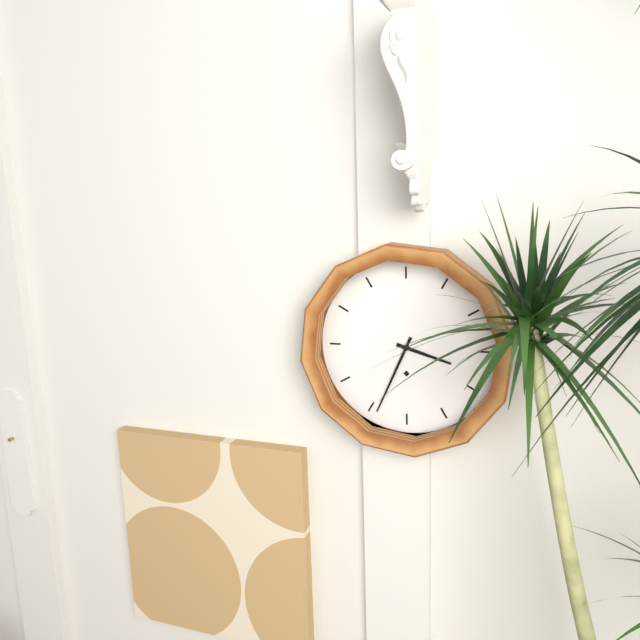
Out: **3:34**
